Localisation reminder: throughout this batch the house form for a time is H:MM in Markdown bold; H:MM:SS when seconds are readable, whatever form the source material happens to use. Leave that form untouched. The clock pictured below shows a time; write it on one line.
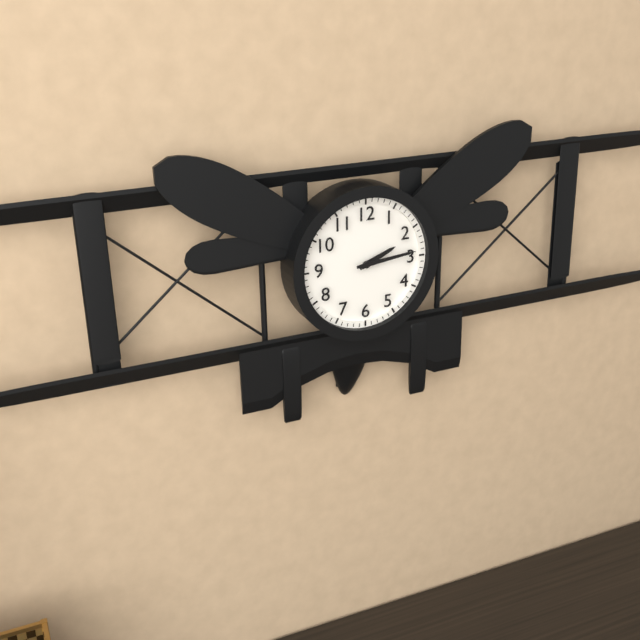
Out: **2:14**
